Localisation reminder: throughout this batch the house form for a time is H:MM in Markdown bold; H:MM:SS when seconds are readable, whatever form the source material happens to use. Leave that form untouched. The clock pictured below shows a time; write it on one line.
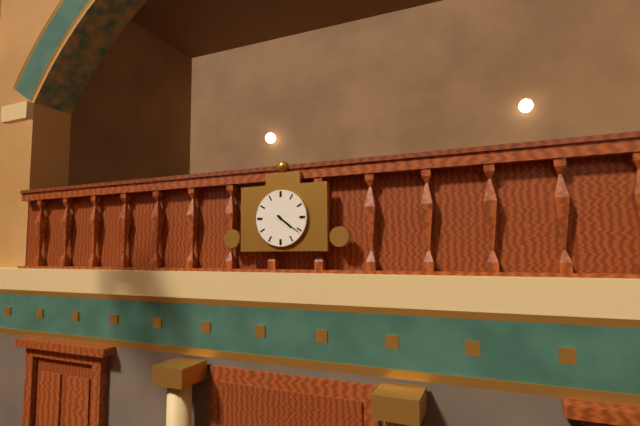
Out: **4:21**
